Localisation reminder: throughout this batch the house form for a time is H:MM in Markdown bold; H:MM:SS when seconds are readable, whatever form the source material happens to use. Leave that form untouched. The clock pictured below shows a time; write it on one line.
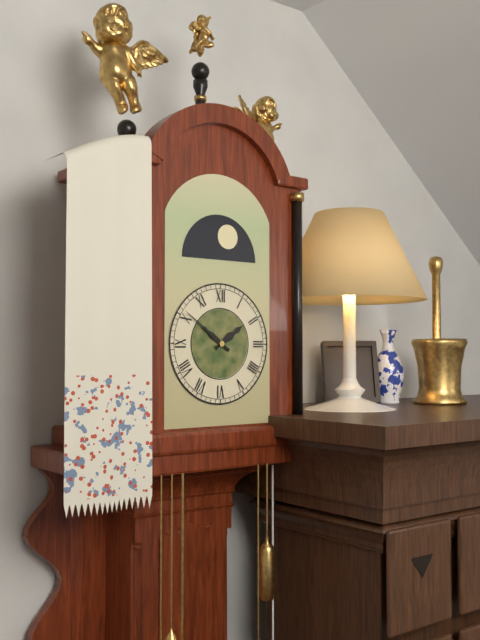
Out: **1:51**
